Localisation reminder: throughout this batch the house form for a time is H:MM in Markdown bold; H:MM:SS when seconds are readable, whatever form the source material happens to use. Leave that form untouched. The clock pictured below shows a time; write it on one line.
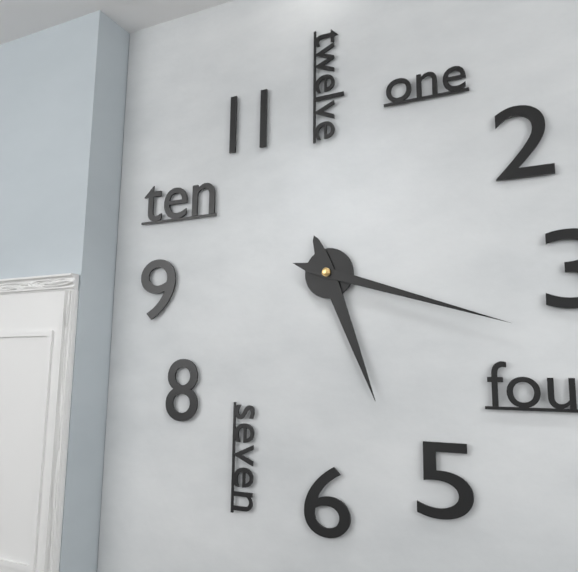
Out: **5:18**
